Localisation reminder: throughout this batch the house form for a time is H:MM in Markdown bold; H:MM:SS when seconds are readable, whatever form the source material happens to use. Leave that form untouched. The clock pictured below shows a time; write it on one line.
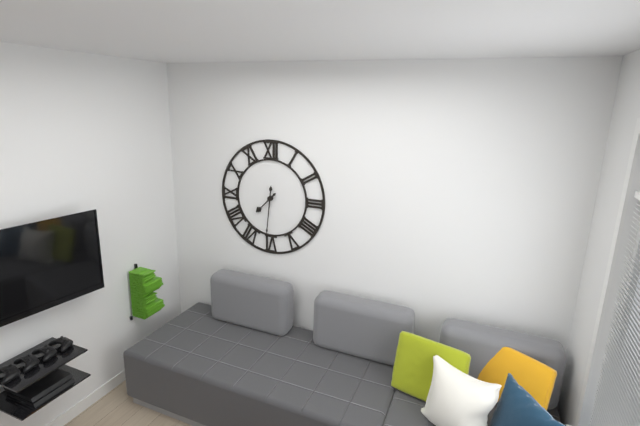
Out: **7:31**
